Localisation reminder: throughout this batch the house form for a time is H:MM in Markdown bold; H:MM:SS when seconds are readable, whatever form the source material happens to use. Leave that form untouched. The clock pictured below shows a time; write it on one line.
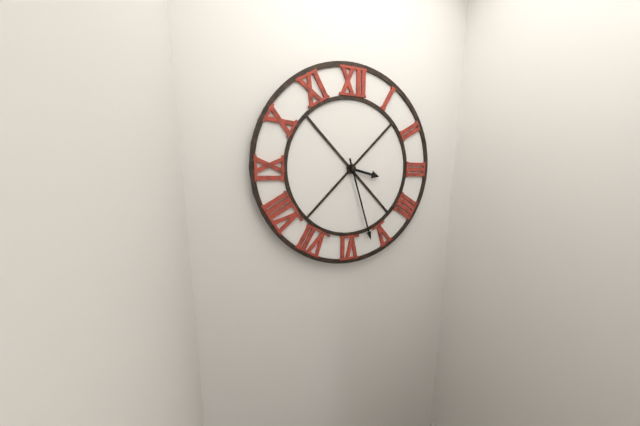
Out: **3:27**
